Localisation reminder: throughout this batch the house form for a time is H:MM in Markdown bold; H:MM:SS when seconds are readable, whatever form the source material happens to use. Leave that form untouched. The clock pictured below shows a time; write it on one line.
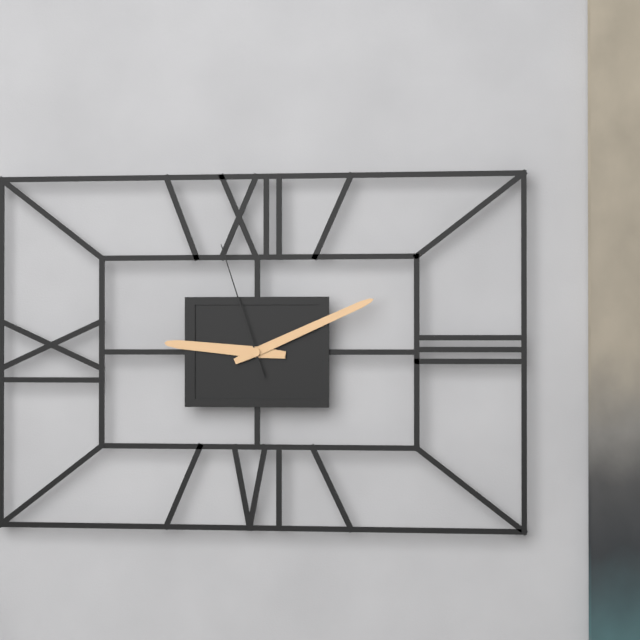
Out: **9:11:57**
